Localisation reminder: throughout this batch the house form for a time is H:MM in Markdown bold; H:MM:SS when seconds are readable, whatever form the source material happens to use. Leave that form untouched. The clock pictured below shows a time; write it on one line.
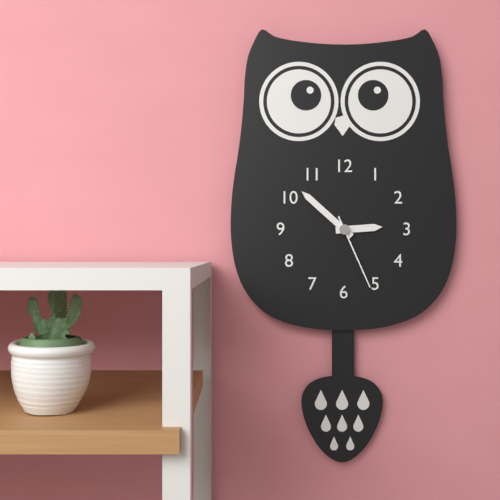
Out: **2:52:26**
